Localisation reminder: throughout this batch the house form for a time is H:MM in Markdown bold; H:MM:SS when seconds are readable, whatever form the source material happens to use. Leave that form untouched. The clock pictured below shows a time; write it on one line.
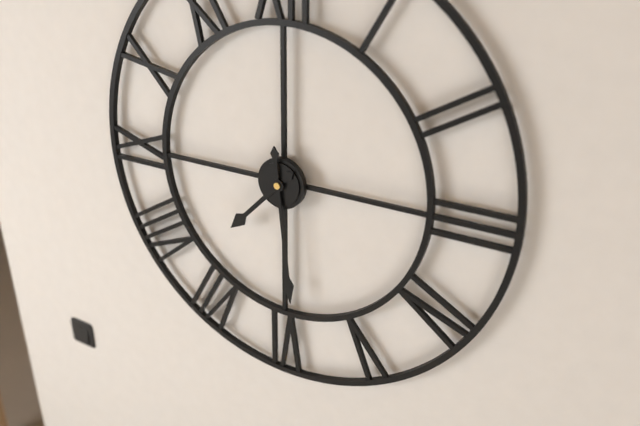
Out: **7:29**
